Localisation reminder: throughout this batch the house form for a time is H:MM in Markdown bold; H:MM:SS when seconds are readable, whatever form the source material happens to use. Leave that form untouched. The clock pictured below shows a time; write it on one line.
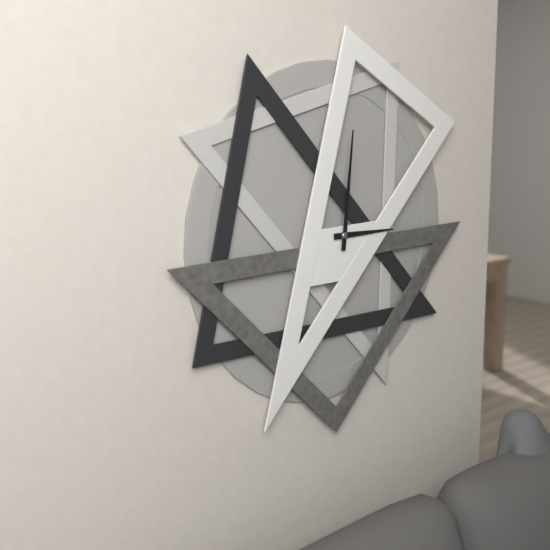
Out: **3:01**
